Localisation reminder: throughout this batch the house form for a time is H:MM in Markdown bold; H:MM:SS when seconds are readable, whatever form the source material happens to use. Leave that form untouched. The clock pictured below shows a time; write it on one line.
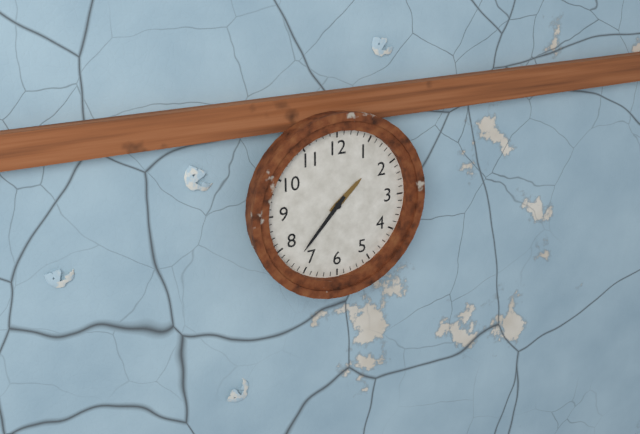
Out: **1:37**
